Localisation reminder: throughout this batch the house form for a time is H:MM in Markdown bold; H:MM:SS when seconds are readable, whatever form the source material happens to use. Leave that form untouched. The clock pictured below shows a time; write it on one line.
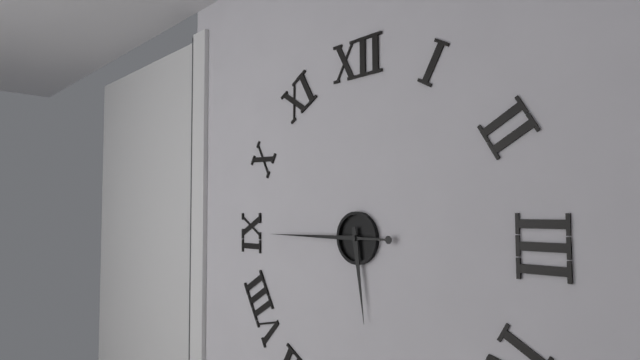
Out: **5:45**
